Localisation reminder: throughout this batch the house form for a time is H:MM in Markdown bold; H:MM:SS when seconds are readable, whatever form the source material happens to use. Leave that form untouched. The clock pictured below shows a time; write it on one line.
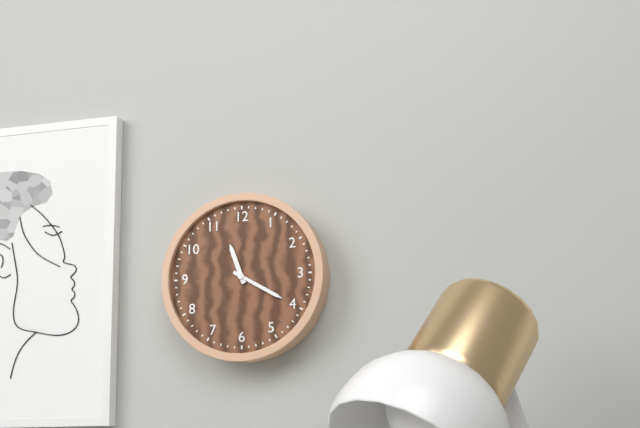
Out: **11:20**
